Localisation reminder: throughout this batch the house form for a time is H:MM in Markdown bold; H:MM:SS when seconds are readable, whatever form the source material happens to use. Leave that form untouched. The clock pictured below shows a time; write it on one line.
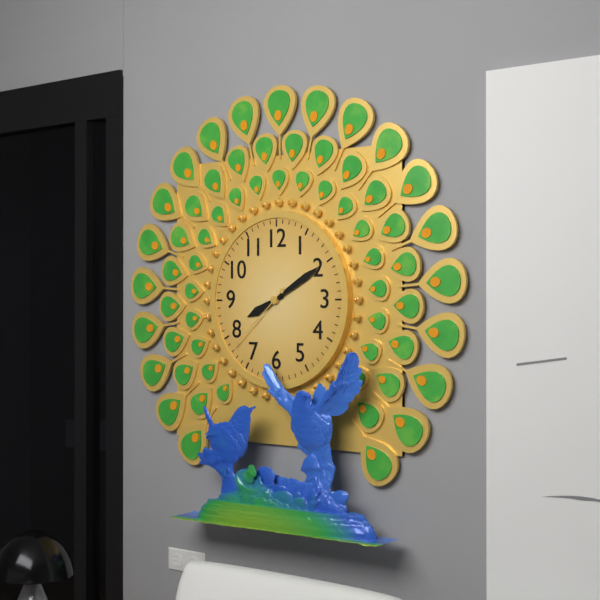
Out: **8:10:38**
